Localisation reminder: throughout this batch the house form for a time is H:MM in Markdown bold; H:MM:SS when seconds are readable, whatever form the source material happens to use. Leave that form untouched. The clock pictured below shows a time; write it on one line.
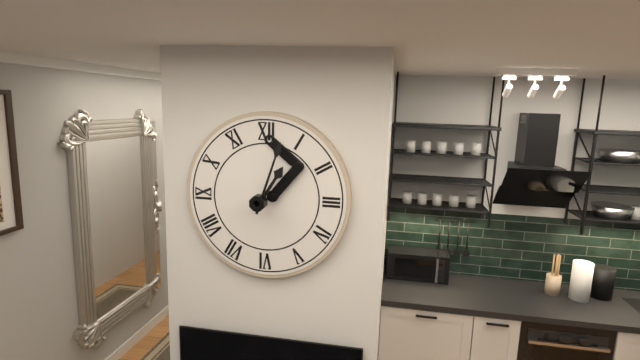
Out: **1:03**
